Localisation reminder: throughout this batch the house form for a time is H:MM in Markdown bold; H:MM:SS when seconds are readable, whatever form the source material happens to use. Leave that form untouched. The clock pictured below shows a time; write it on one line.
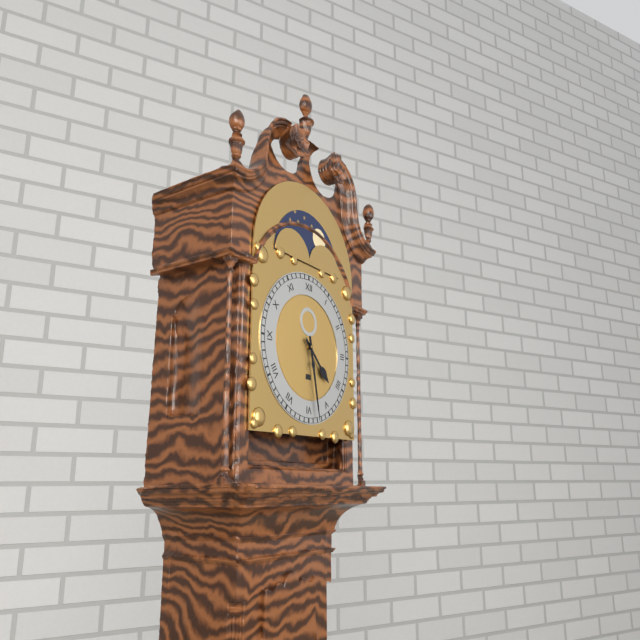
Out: **4:28**
